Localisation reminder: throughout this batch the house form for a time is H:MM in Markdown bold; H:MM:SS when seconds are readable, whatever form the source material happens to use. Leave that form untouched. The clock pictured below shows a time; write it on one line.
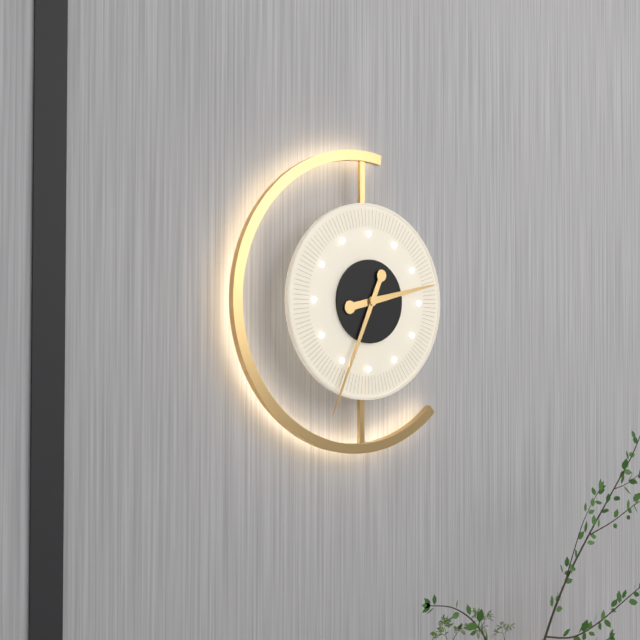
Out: **2:34**
